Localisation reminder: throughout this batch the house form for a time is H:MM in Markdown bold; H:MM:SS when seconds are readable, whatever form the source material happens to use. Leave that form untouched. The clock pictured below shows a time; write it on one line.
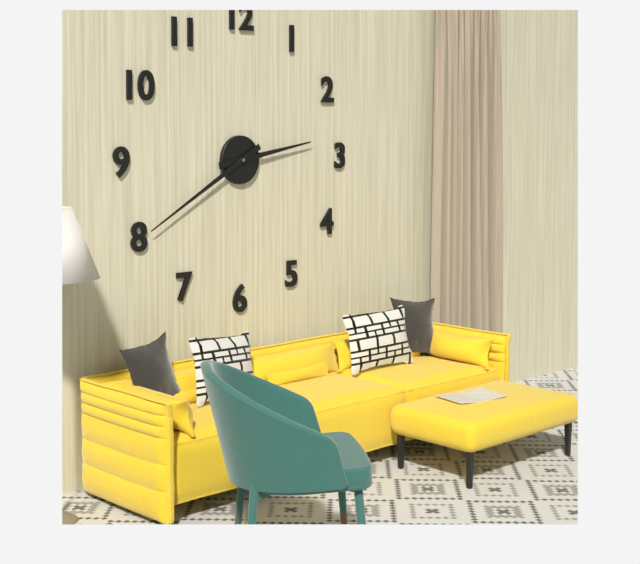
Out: **2:40**
